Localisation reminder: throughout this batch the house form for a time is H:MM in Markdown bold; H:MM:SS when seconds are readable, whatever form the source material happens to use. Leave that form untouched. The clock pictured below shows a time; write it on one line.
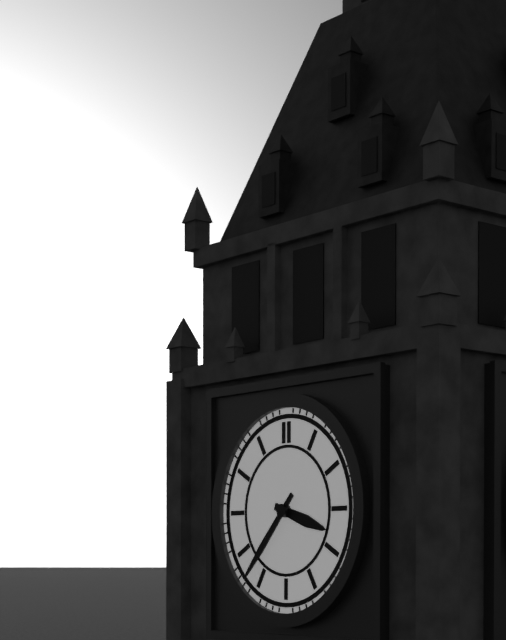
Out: **3:37**
